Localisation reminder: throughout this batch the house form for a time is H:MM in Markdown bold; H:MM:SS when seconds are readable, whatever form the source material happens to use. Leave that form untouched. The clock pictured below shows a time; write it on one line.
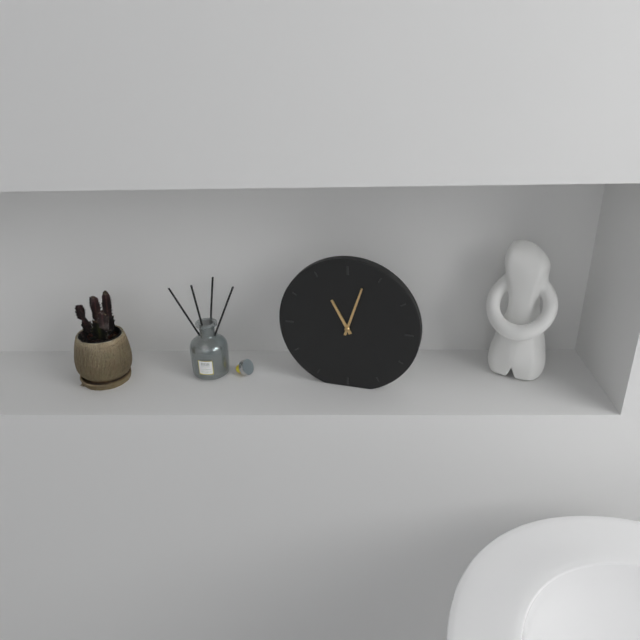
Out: **11:03**
